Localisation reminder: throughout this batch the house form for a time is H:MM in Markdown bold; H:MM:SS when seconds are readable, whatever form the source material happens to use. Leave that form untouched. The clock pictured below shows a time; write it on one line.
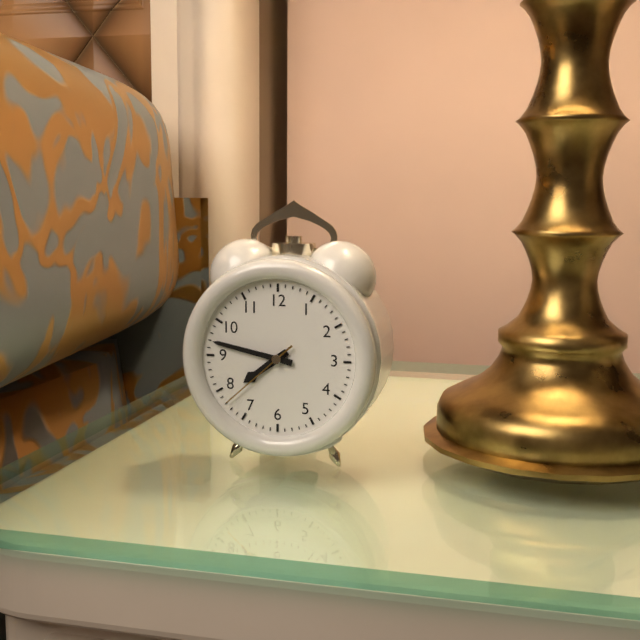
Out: **7:47:38**
